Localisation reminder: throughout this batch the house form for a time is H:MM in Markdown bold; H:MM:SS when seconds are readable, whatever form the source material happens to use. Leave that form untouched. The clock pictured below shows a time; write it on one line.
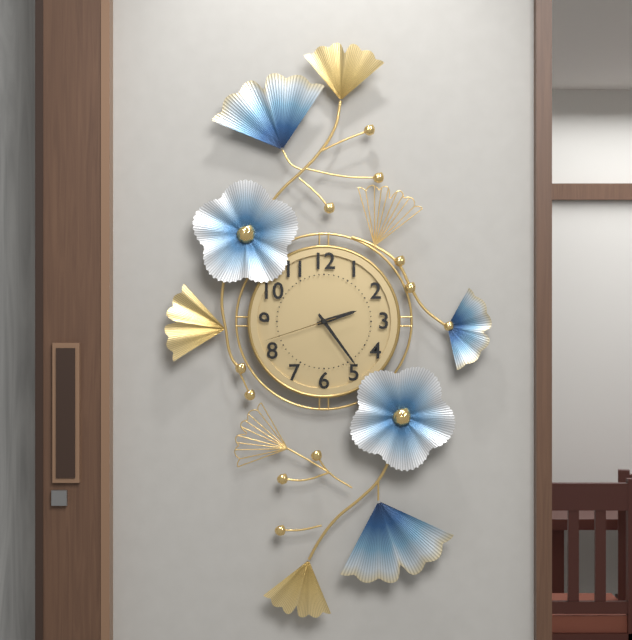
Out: **2:24:42**
